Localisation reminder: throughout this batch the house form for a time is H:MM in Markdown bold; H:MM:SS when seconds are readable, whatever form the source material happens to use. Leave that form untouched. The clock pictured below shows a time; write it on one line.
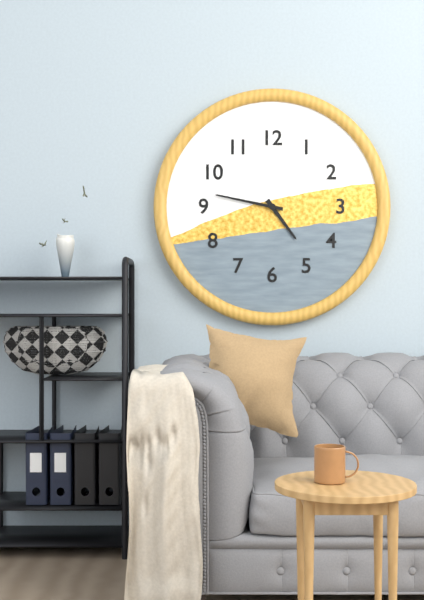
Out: **4:47**
